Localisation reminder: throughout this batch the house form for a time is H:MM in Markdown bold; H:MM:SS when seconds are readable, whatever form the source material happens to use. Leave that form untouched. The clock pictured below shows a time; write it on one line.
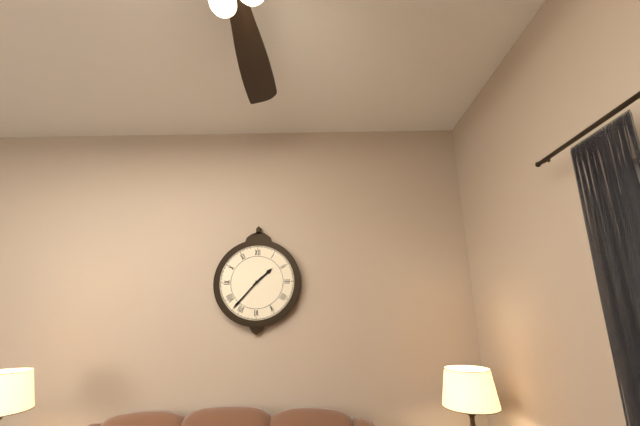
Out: **1:37**
